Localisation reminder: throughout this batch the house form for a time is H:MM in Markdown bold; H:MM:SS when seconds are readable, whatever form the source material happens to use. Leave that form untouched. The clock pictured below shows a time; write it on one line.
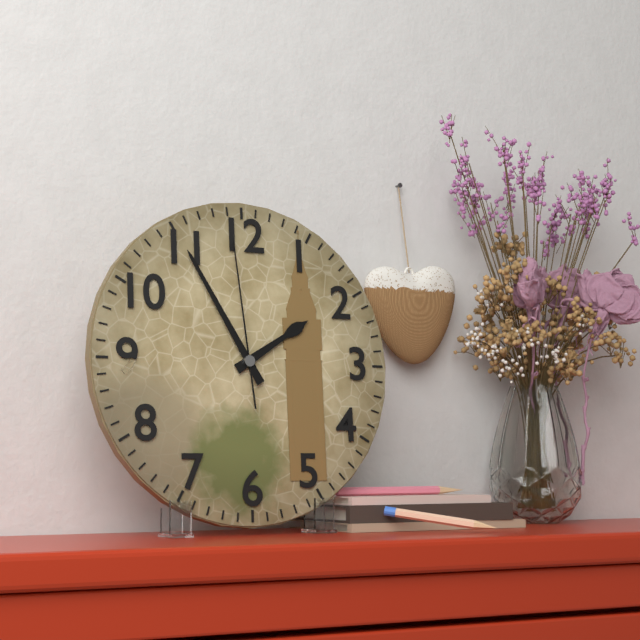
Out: **1:55:59**
